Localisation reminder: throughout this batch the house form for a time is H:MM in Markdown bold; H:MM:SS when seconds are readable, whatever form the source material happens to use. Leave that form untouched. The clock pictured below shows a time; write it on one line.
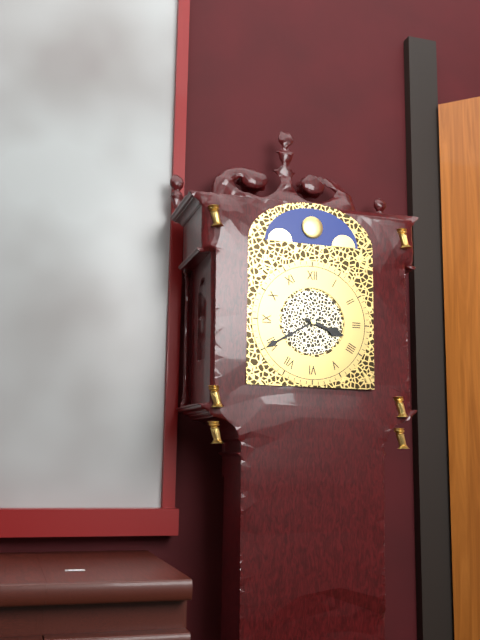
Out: **3:40**
